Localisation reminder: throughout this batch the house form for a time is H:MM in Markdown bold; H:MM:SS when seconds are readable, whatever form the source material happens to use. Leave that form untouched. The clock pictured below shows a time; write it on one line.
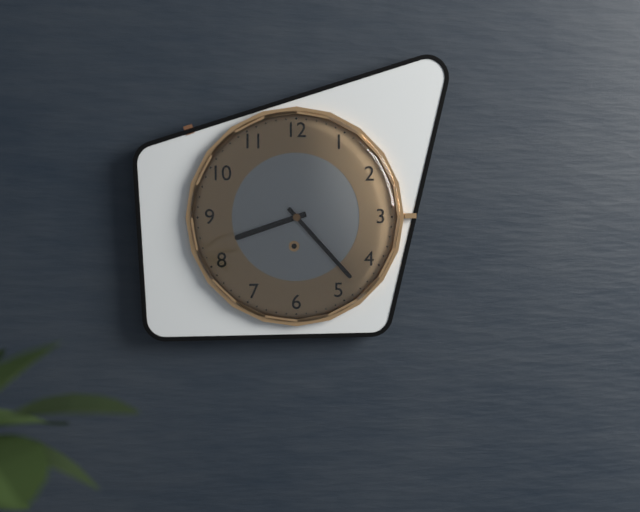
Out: **8:23**
